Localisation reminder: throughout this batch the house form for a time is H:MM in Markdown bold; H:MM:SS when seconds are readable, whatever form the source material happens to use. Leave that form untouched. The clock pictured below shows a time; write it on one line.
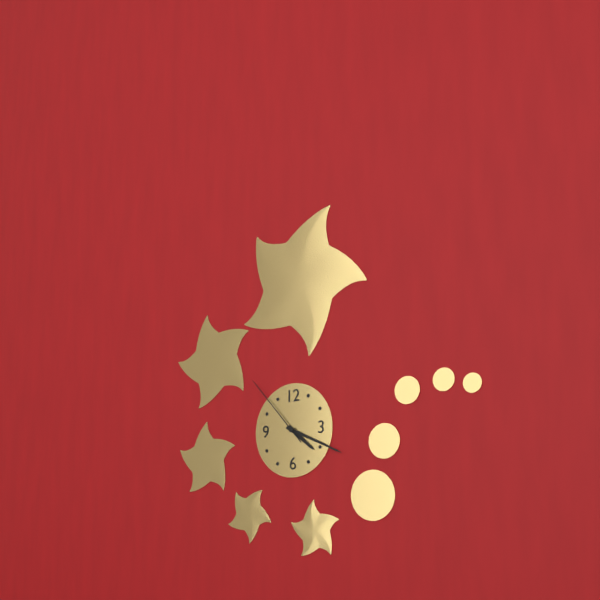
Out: **4:19:53**
